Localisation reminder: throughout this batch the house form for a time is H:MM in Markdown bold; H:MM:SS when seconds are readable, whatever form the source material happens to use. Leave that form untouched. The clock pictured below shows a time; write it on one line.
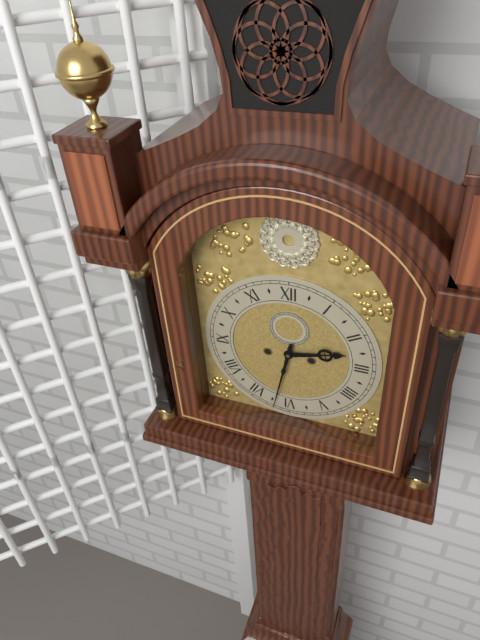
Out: **2:32**
